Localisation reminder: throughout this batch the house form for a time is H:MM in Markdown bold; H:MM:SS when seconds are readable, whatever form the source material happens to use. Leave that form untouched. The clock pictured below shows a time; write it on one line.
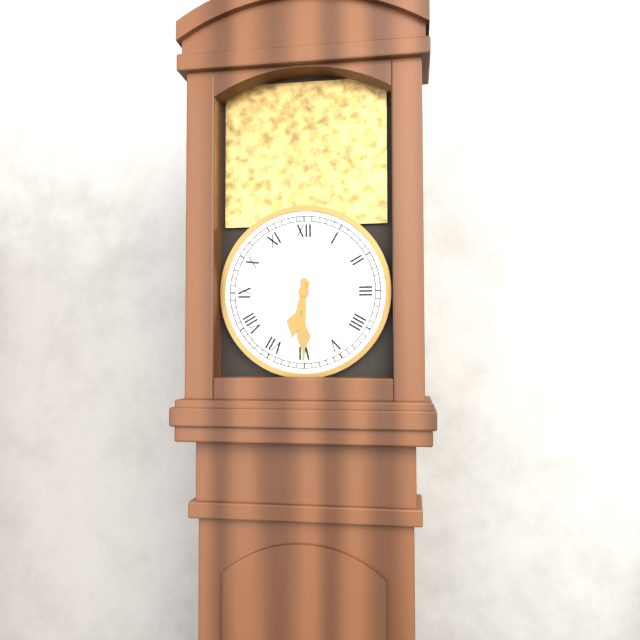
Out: **6:30**
